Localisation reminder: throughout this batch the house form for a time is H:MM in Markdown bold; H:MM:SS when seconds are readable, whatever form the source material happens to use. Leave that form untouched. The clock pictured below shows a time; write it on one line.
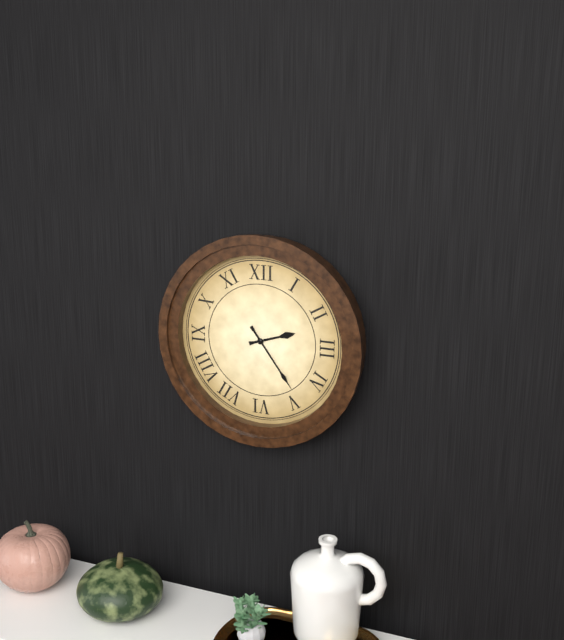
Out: **2:24**
